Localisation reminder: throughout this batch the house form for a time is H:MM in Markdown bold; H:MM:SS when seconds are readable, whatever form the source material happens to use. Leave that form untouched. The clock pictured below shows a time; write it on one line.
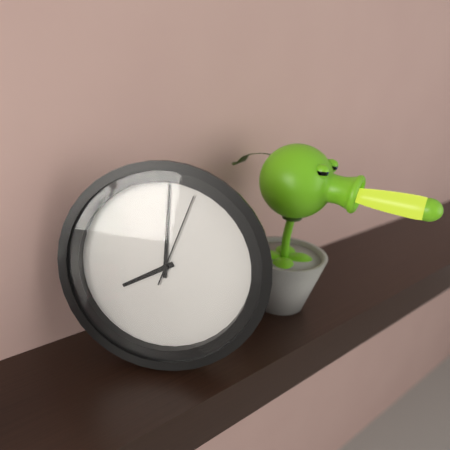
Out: **8:00:03**
